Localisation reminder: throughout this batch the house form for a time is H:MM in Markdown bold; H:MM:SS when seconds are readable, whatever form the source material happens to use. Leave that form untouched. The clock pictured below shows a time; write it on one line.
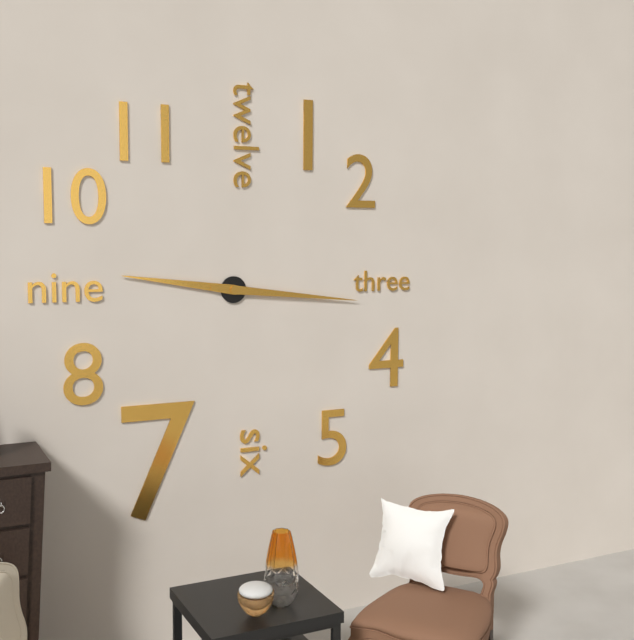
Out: **9:16**
